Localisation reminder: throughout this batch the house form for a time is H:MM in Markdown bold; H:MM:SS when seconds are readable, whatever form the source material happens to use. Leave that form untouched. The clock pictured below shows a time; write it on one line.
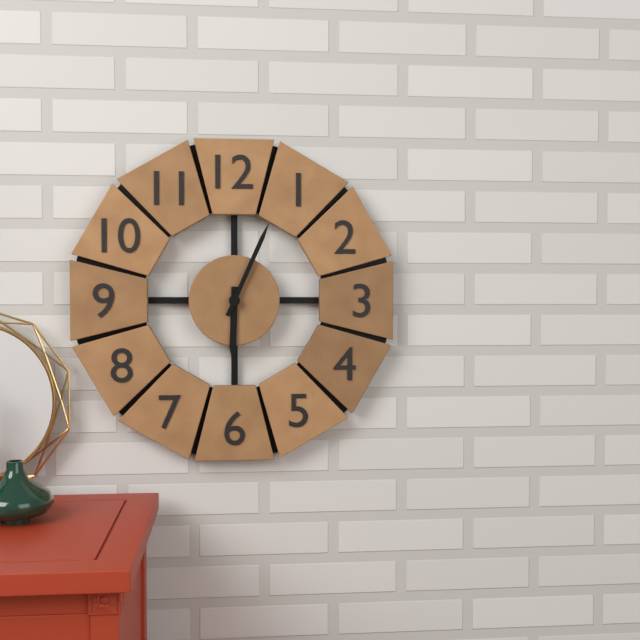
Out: **6:04**
